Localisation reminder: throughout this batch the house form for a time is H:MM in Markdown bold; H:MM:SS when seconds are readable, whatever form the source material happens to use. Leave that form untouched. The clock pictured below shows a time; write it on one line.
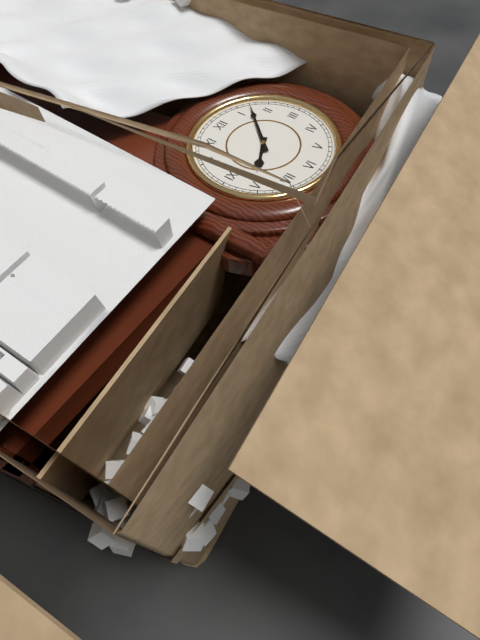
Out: **8:07**
